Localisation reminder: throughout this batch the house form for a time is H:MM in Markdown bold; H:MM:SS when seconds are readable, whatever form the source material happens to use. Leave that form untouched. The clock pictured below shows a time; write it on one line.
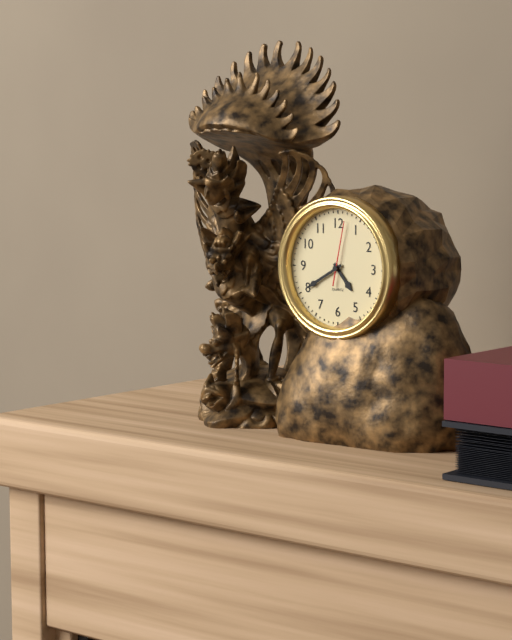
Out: **4:40:02**
